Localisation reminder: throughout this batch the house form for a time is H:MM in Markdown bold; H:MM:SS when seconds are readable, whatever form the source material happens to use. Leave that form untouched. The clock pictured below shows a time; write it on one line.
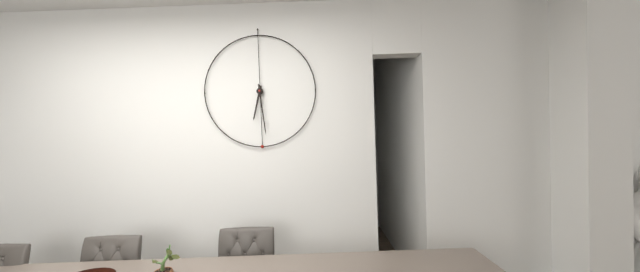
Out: **6:29**
